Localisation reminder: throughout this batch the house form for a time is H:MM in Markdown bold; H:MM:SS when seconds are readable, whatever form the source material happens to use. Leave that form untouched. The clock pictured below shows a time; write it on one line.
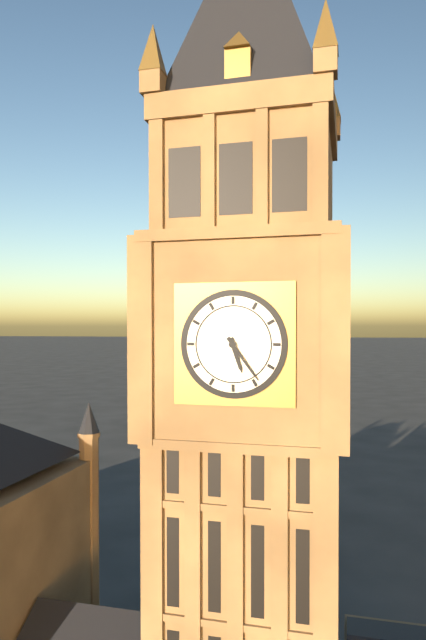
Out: **5:24**
